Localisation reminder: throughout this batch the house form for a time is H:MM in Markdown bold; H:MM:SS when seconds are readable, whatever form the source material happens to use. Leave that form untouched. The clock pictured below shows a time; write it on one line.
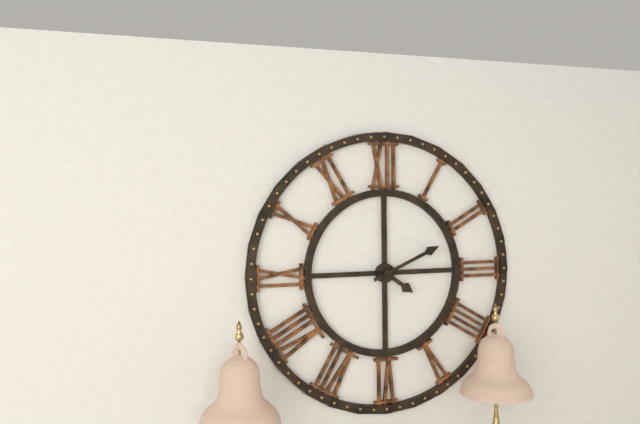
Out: **4:11**
